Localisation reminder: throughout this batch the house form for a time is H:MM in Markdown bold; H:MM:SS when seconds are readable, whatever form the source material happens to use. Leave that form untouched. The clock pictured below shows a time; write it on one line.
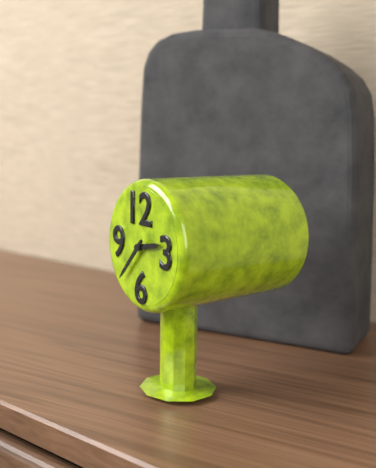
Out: **2:37**
